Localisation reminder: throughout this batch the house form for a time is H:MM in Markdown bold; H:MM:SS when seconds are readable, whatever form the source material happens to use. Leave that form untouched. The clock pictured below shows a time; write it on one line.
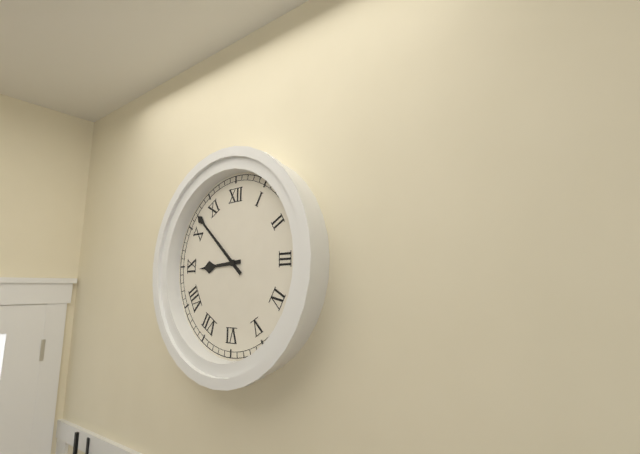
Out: **8:52**
